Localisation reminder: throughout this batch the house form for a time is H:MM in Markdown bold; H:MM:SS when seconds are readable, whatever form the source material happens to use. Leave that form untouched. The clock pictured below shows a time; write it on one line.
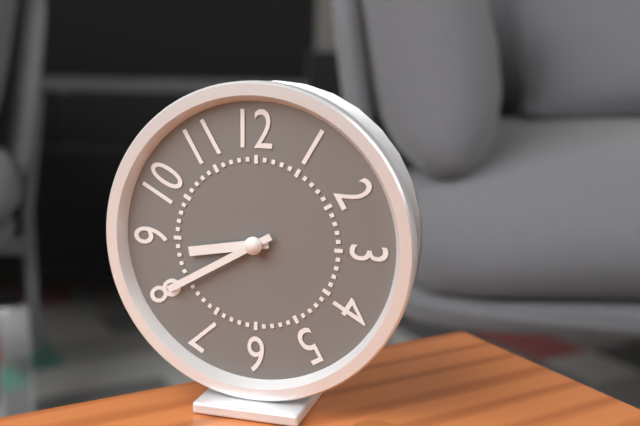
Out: **8:40**
